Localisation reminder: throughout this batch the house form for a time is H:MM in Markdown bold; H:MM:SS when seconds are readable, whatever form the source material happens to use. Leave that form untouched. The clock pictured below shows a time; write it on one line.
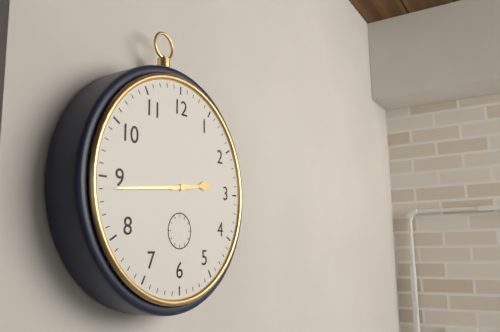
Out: **2:44**
